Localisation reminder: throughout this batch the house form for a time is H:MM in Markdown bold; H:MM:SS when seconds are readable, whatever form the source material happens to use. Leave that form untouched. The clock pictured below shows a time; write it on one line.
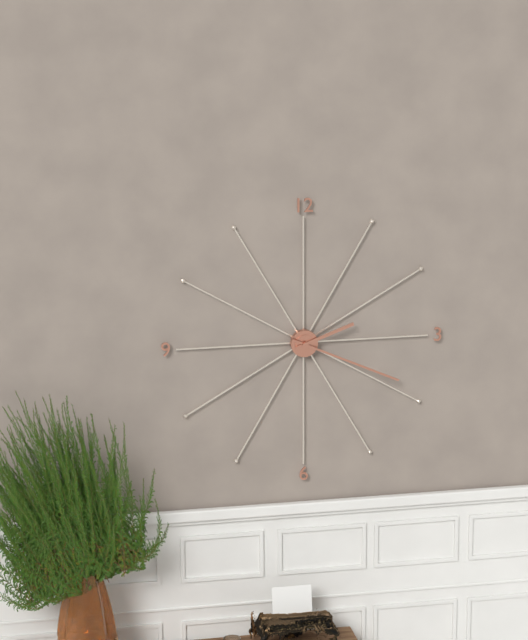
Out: **2:19**
